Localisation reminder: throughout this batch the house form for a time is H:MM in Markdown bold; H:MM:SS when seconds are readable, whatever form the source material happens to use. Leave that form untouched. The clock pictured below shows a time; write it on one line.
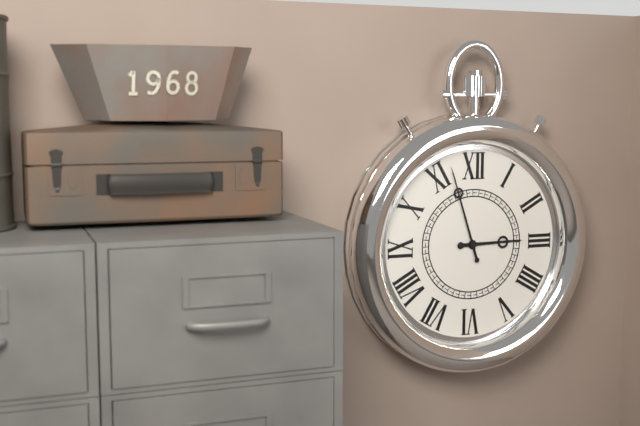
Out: **2:57**
